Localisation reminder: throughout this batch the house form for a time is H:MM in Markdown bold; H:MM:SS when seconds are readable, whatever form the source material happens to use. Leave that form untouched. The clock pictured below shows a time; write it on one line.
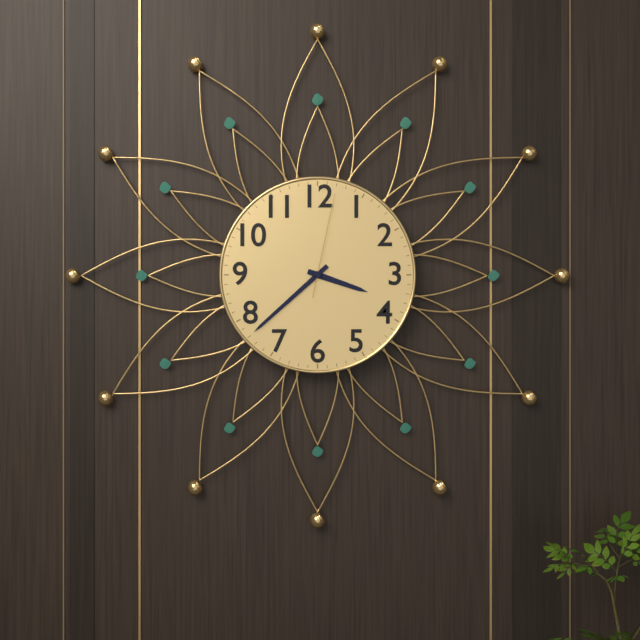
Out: **3:38:02**
